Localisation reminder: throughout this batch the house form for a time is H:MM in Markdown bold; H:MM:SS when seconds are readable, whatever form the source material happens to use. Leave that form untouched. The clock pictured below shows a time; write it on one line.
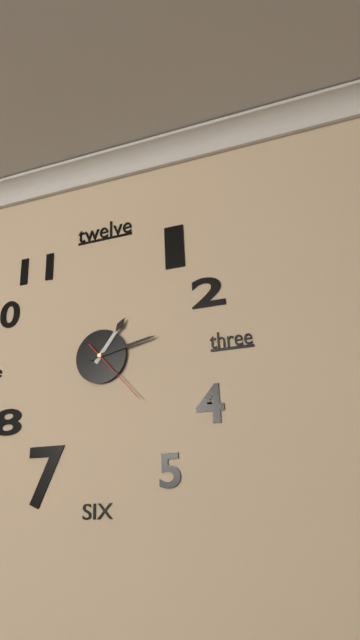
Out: **1:13:23**
